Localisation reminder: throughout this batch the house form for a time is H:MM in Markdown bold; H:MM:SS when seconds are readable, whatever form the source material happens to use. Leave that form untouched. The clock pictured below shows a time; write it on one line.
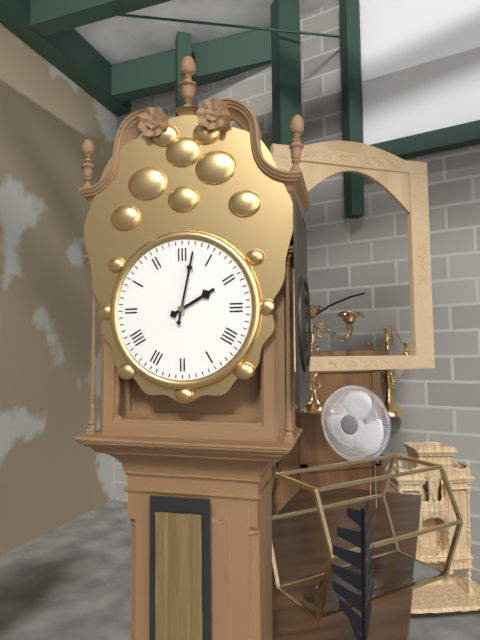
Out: **2:02**
